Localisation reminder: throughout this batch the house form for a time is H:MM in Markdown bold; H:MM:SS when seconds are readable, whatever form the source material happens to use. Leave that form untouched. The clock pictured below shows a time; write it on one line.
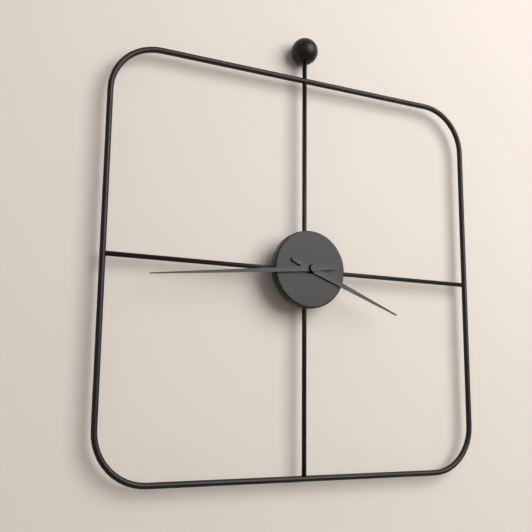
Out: **3:44**
